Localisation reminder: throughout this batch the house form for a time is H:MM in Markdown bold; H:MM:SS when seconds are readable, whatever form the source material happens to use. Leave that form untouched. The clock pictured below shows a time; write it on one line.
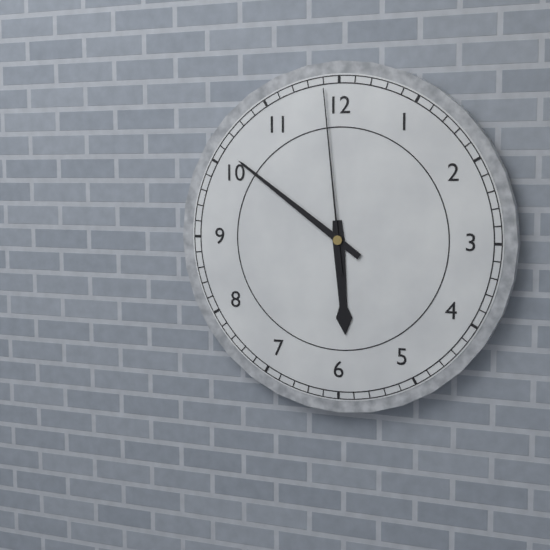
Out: **5:51:59**
